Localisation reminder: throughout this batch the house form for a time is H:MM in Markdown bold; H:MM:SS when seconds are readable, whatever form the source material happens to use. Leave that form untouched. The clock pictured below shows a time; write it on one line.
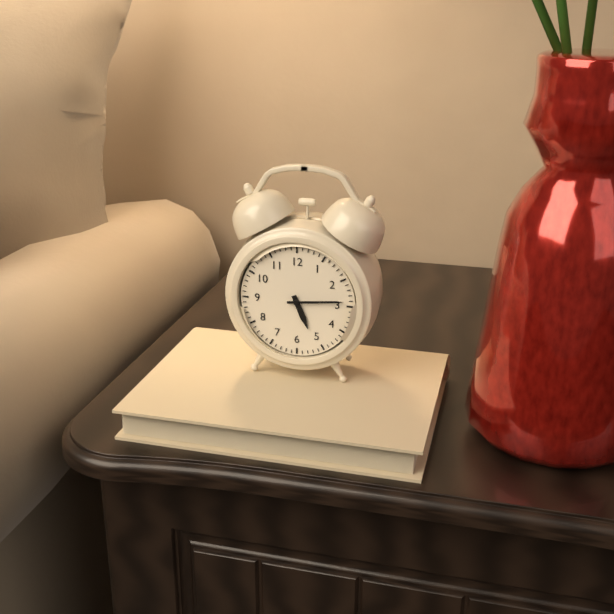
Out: **5:14**
